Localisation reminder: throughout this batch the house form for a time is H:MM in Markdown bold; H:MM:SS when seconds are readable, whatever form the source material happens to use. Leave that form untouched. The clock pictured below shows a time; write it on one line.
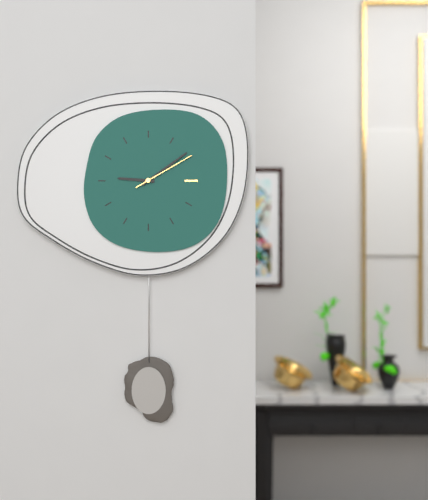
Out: **9:09:10**
